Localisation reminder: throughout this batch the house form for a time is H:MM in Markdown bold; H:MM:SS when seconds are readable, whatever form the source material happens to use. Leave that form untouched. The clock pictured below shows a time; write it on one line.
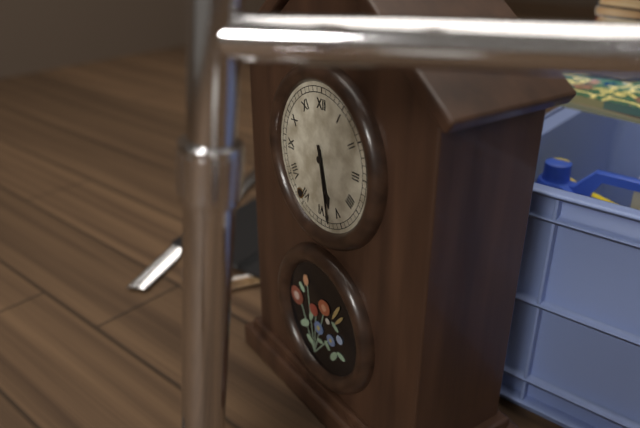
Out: **5:28**
